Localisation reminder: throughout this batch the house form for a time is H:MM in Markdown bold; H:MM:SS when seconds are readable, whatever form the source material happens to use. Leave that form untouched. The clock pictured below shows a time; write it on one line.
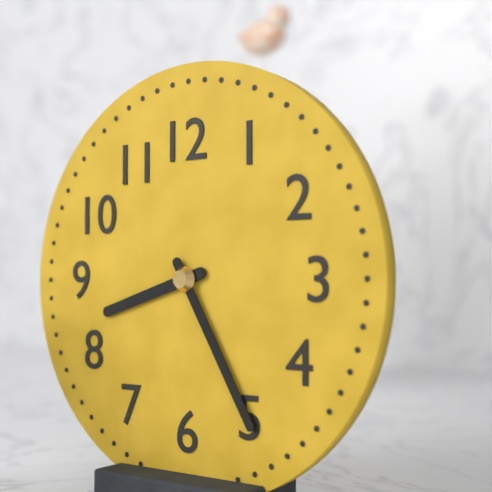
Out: **8:25**
